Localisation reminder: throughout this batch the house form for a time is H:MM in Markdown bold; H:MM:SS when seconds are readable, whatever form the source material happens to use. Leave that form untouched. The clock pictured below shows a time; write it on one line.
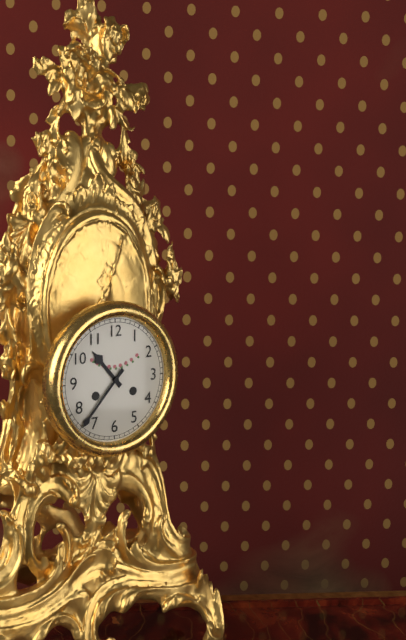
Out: **10:37**
